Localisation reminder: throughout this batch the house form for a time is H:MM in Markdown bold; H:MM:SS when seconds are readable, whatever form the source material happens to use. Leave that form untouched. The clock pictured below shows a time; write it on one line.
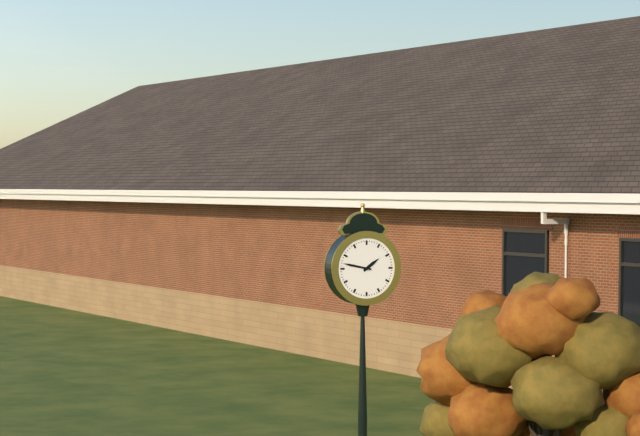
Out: **1:47**
